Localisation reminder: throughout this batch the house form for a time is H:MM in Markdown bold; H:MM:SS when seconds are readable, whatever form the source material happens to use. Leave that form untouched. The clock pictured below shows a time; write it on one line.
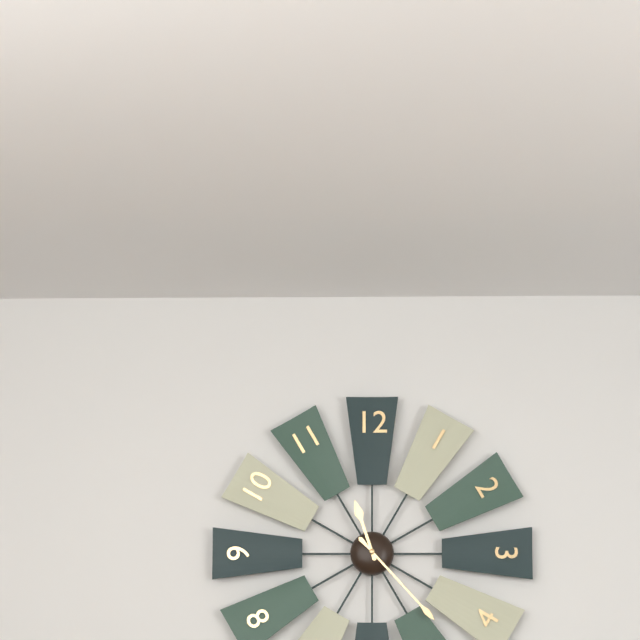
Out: **11:23**
